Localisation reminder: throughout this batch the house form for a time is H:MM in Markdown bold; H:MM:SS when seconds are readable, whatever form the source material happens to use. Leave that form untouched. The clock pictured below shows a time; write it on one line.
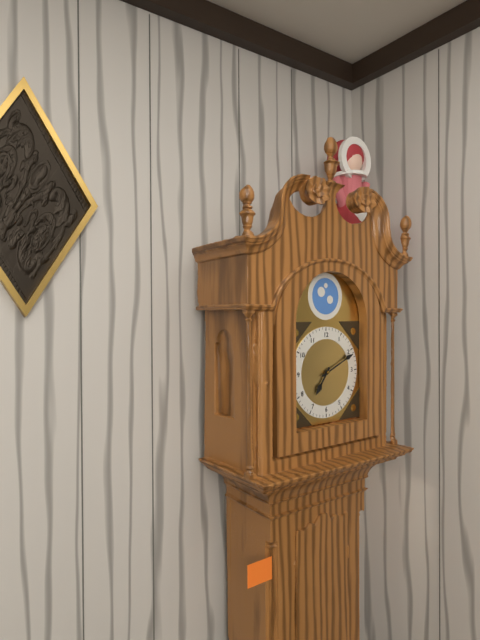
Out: **7:11**
